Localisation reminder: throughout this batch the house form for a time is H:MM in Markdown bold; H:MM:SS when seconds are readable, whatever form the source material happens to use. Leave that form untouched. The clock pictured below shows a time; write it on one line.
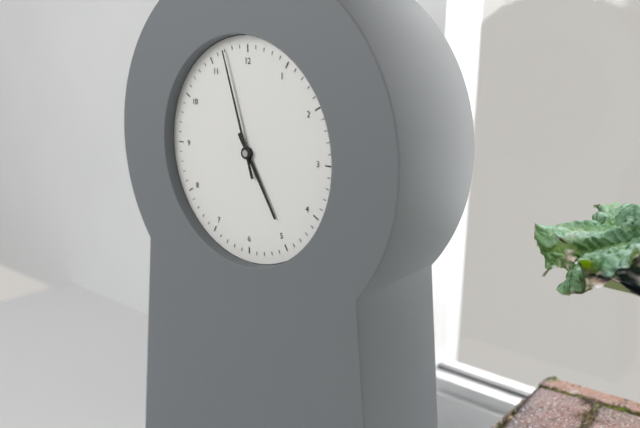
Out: **4:57**
